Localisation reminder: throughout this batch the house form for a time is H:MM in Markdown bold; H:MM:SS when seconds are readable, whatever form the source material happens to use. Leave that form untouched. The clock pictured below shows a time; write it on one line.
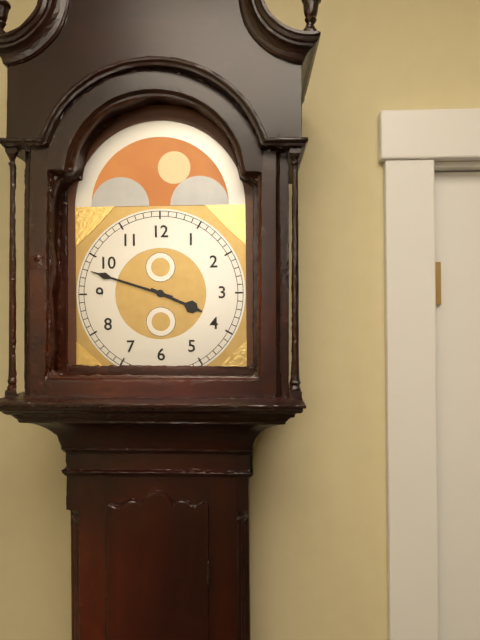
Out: **3:48**
